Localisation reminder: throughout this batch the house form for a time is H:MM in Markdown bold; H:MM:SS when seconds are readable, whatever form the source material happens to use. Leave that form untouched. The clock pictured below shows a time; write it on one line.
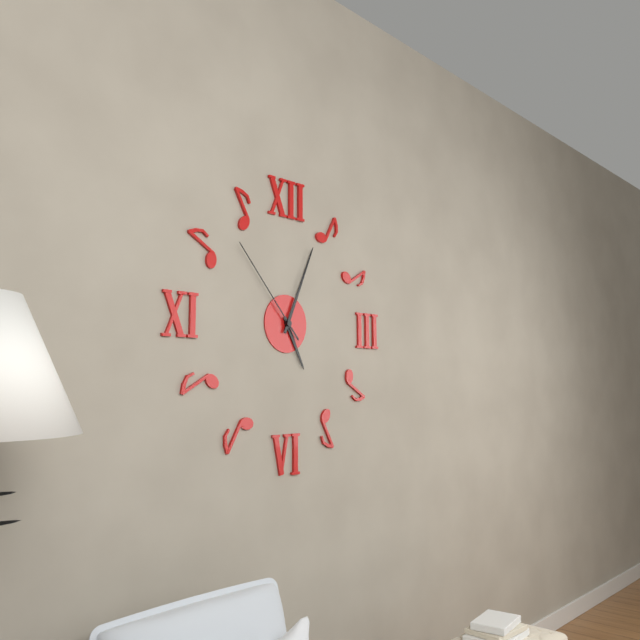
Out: **5:04:53**
